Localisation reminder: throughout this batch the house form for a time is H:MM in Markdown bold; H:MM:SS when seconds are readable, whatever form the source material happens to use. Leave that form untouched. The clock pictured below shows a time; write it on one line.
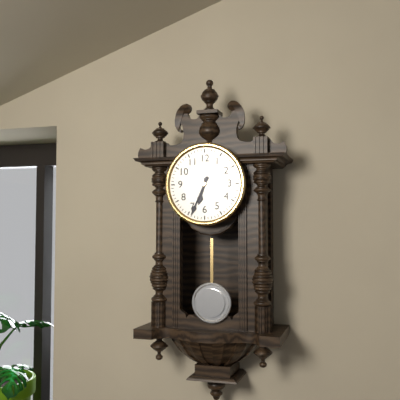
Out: **6:34**
